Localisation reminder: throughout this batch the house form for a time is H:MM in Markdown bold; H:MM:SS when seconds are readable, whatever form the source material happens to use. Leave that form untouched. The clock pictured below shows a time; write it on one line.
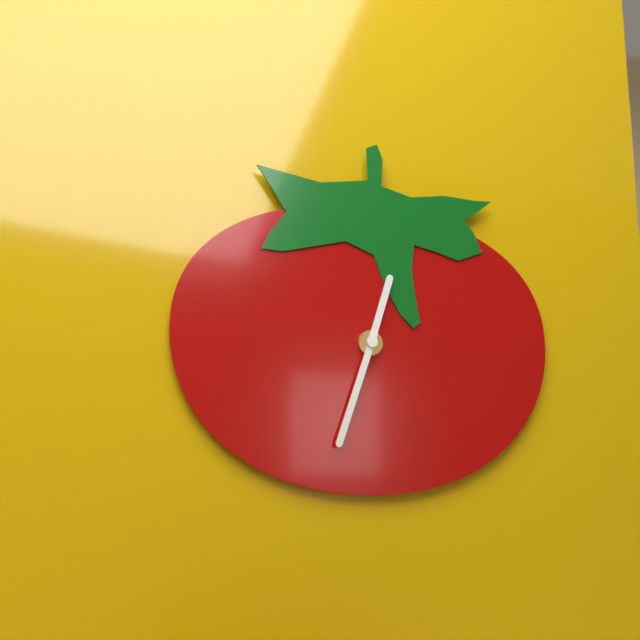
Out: **12:33**
